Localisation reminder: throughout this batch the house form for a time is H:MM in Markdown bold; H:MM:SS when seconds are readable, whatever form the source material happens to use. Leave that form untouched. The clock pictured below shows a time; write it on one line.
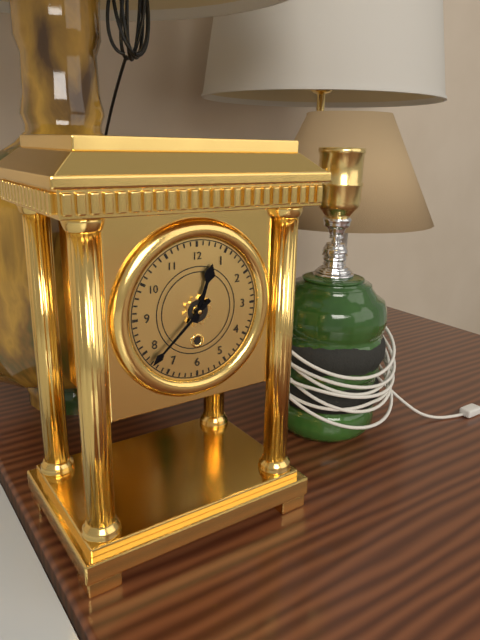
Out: **12:38**
